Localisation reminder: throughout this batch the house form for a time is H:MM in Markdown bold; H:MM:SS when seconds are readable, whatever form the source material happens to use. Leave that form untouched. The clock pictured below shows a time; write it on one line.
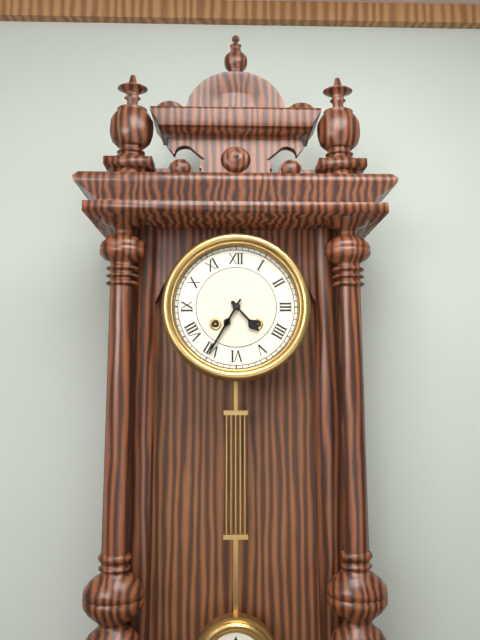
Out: **4:35**
